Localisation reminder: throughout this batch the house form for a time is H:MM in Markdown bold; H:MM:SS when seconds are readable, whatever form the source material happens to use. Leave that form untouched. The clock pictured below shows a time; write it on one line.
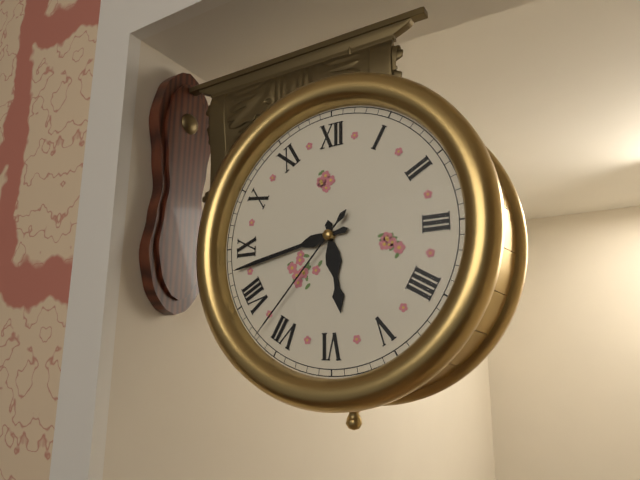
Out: **5:43:37**
